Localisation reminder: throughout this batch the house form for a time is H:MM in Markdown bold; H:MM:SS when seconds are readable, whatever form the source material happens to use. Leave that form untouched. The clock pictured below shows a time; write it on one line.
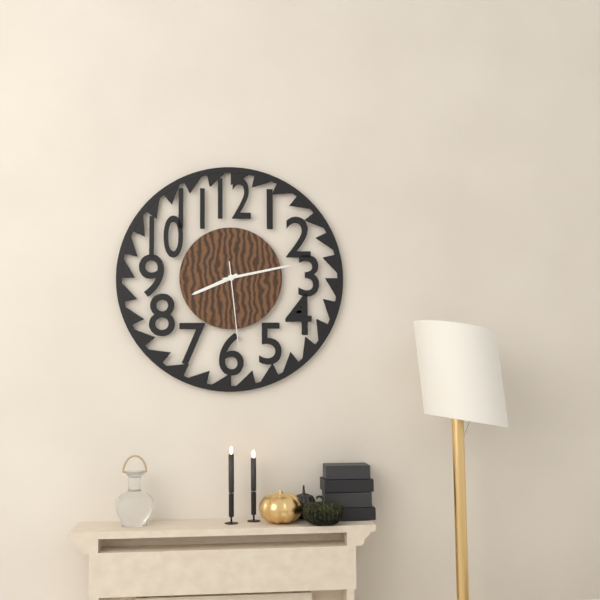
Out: **8:13:29**
